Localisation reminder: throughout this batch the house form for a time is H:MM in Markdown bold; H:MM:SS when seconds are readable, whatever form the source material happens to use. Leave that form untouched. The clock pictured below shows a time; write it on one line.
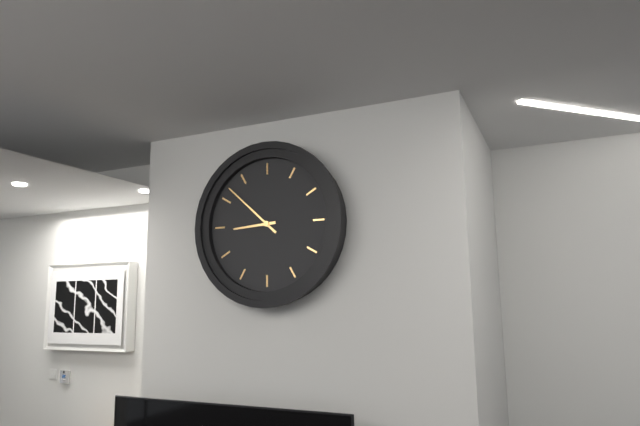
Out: **8:52**
